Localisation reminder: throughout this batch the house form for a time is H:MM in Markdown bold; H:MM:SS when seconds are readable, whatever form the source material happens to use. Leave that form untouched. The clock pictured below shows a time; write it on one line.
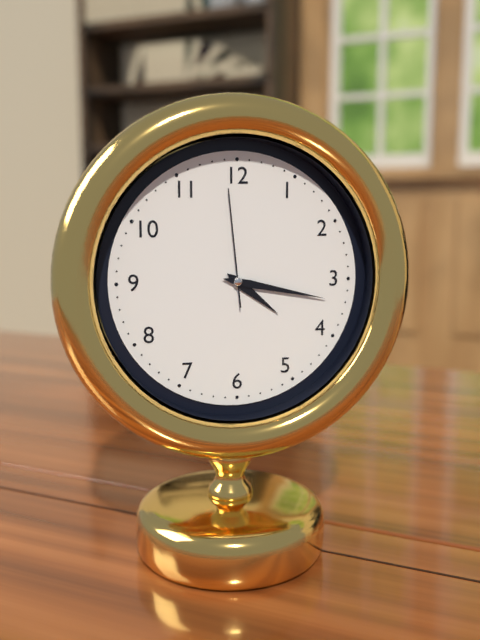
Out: **4:17:59**
